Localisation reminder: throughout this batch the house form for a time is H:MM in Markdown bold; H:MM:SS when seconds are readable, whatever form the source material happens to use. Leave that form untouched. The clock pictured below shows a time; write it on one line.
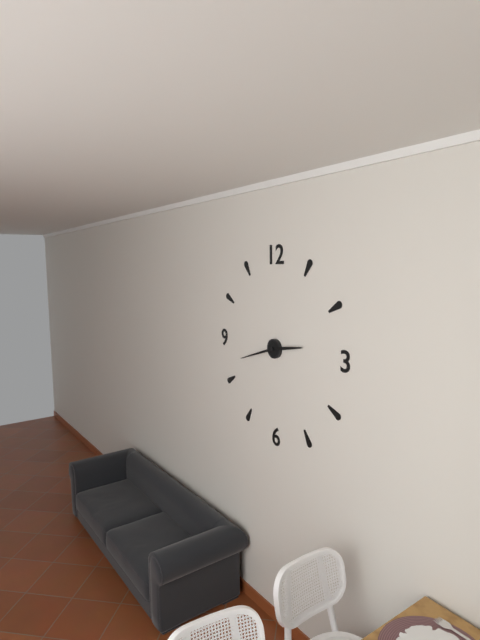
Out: **2:42**
